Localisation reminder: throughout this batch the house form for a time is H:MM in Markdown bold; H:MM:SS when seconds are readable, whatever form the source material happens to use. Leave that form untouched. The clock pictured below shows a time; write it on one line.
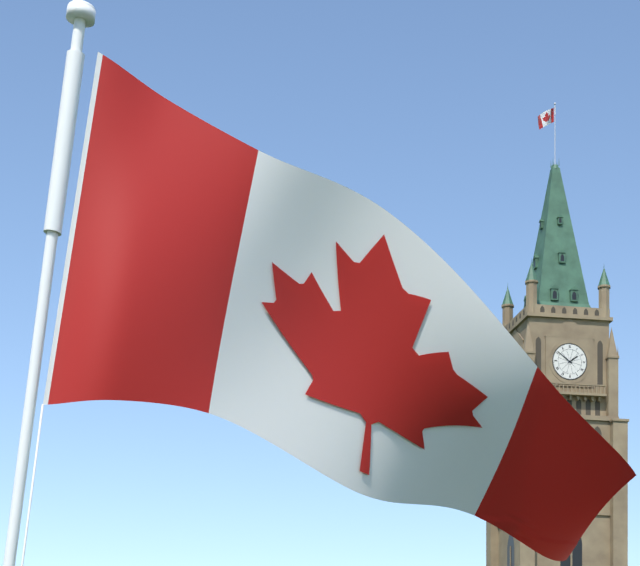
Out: **1:51**
